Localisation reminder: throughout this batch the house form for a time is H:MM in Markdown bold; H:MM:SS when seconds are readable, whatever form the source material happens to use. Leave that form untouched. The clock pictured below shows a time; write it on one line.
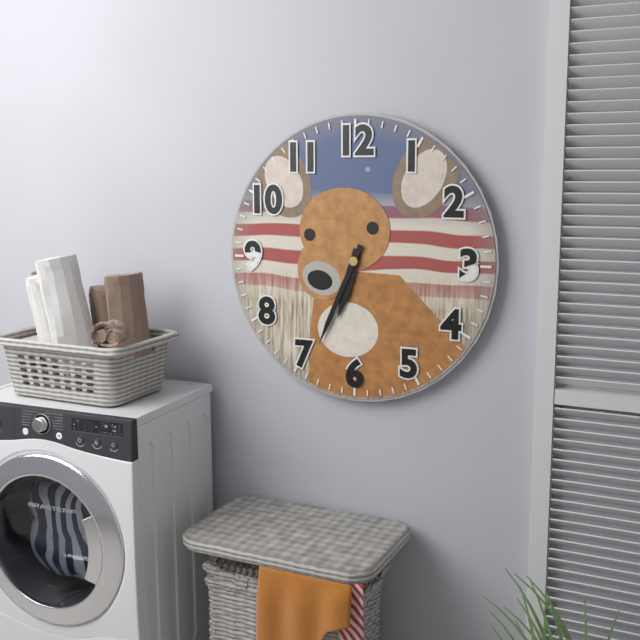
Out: **6:34**
